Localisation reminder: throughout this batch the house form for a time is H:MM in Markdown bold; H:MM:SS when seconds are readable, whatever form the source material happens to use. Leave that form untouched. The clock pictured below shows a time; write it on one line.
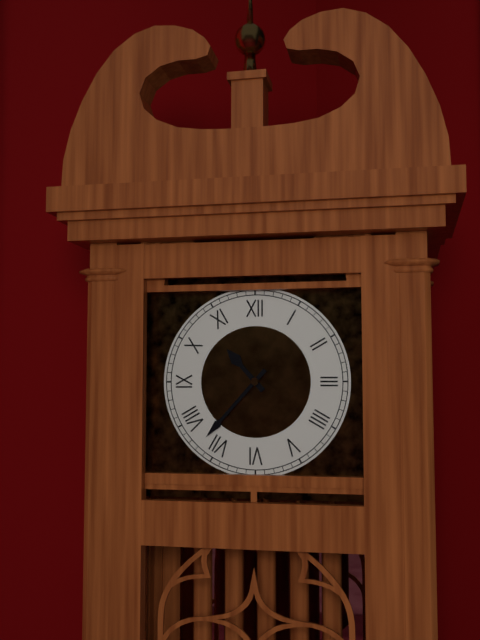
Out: **10:37**
